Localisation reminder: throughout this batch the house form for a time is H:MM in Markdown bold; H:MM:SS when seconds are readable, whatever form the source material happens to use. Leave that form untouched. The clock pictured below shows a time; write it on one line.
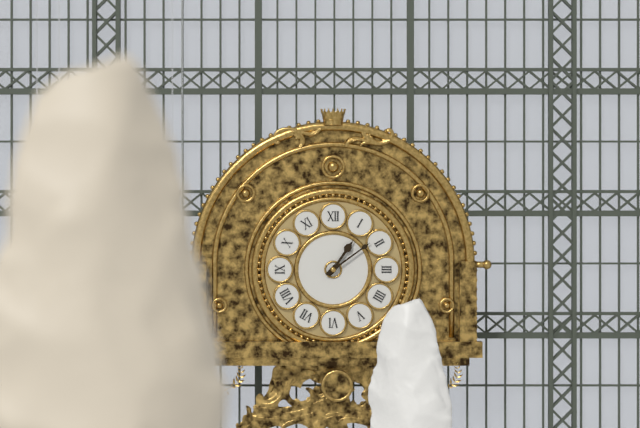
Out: **1:09**
